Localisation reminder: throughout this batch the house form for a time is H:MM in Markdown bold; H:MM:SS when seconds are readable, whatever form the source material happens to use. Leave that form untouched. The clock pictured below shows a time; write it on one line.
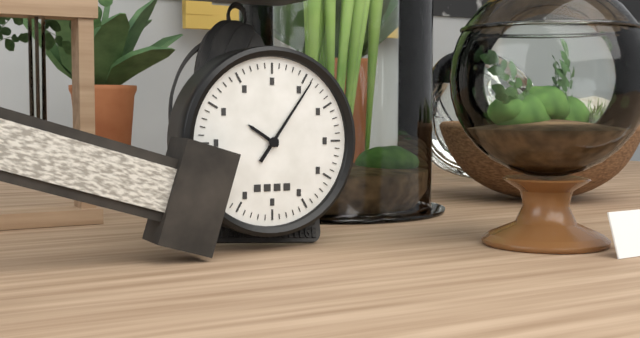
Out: **10:06**
